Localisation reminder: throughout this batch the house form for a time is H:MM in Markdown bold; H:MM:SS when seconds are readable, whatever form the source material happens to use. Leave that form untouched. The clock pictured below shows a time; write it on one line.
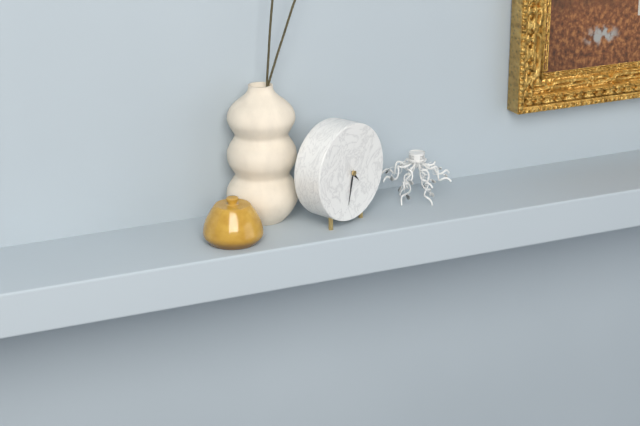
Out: **4:32**
